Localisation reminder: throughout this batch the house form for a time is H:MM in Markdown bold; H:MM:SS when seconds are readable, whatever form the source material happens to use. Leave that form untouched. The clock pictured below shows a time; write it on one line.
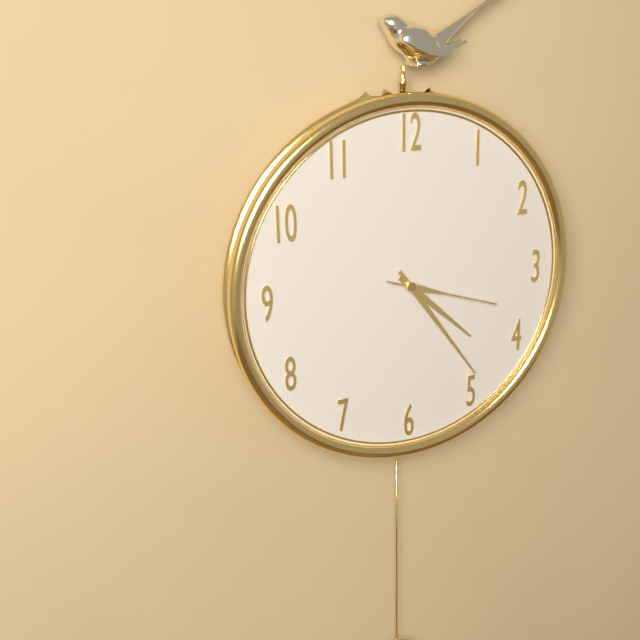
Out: **4:24:18**
